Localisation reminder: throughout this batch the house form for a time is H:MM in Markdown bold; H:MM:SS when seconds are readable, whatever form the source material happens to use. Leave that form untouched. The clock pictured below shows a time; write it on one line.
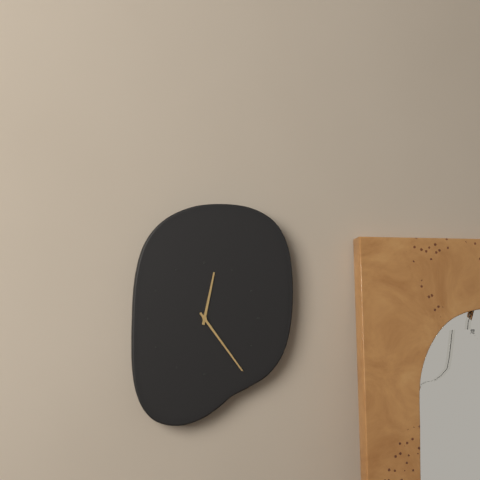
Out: **12:24**
